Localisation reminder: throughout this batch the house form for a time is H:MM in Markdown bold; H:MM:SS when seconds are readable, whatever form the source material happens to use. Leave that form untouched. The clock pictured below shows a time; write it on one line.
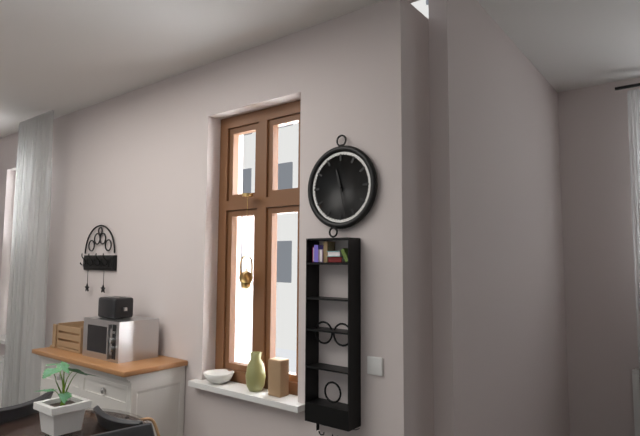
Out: **11:28**
